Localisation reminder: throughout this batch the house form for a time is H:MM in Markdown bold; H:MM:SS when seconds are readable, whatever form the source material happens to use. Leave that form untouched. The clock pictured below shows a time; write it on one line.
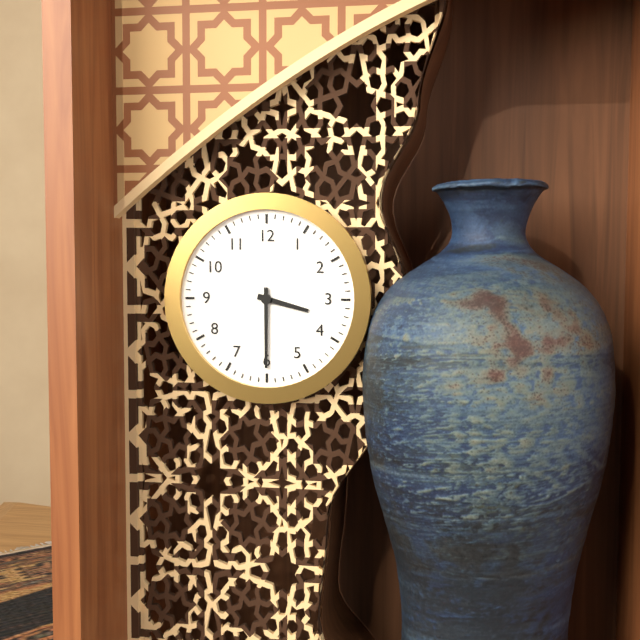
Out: **3:30**
